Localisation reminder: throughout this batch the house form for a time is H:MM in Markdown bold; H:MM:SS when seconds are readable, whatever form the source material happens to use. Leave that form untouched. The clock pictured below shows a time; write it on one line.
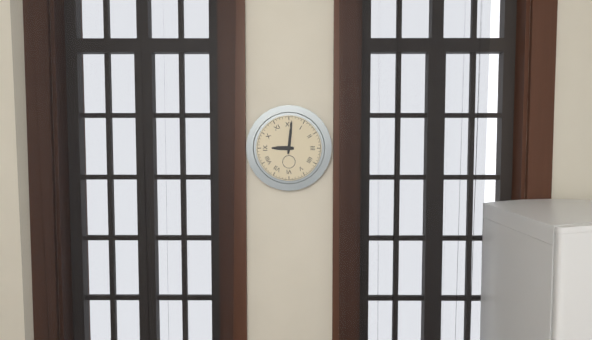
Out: **9:01**
